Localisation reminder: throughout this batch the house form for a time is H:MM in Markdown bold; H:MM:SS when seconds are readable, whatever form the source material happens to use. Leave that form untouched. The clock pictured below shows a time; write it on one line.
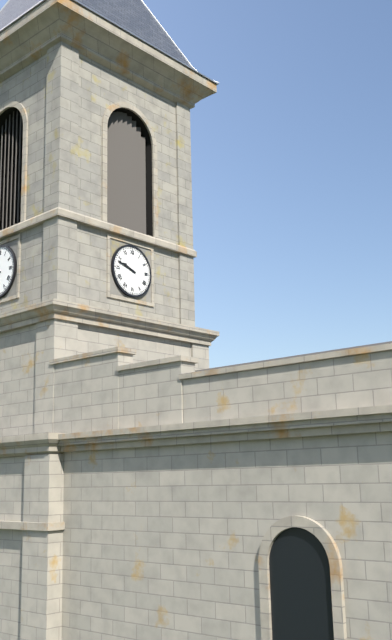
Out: **9:48**
